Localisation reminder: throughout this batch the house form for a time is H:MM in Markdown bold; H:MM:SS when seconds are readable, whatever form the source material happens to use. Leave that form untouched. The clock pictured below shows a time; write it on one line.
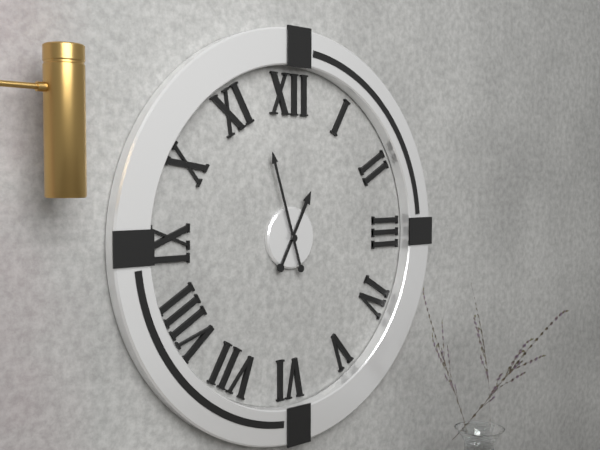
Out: **12:57**
